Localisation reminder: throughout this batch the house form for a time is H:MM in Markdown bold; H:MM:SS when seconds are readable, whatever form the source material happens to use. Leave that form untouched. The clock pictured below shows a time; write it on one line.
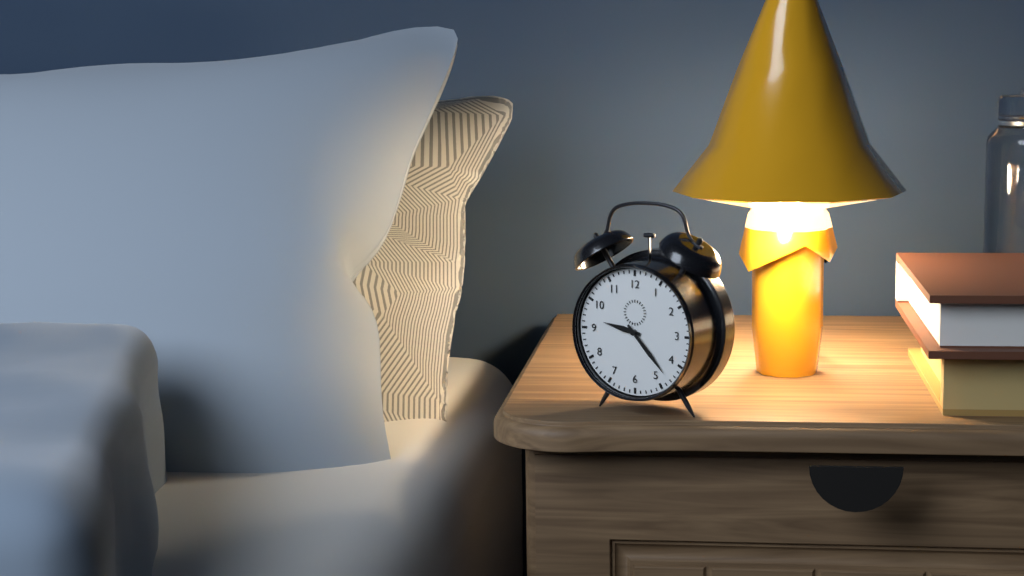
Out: **9:23**
